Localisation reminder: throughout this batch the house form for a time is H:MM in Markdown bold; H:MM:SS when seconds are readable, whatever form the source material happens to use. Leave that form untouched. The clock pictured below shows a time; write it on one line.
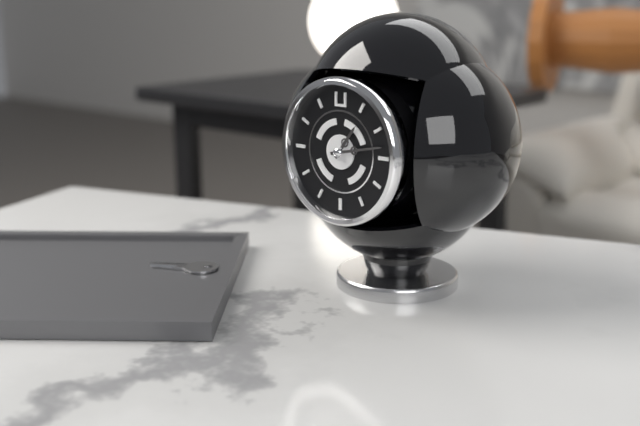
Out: **1:13**
